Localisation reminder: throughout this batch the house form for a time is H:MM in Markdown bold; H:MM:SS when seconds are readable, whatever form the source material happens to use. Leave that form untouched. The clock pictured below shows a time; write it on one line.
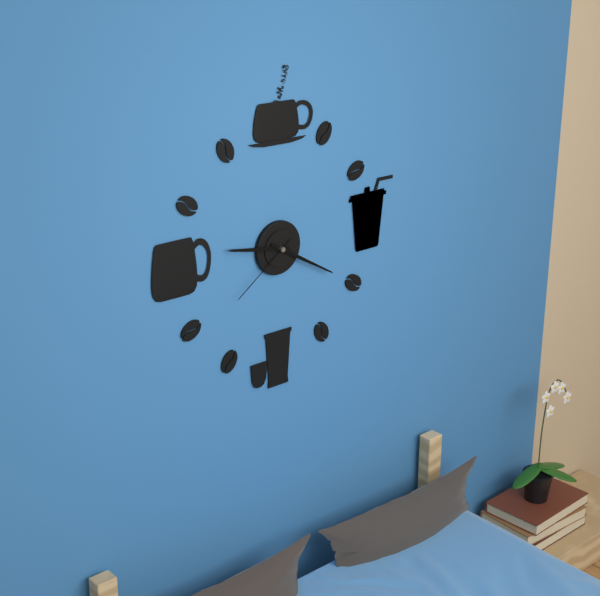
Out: **9:20:39**
